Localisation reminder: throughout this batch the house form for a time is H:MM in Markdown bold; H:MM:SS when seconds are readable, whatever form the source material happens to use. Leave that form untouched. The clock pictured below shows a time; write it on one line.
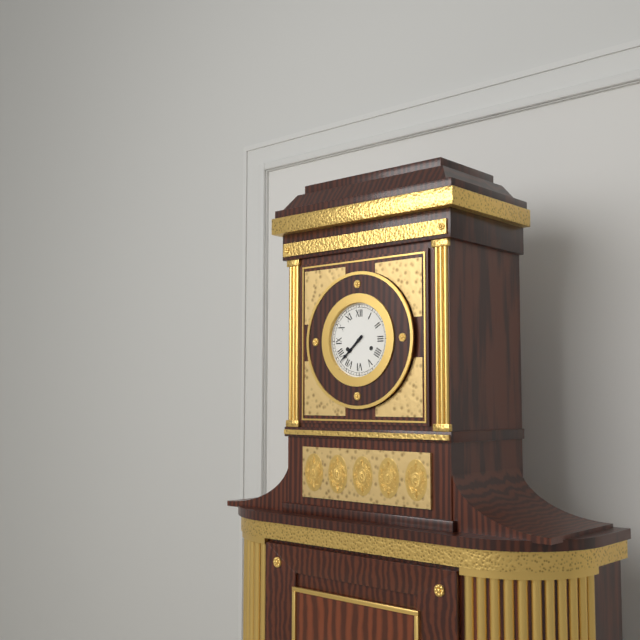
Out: **7:38**
